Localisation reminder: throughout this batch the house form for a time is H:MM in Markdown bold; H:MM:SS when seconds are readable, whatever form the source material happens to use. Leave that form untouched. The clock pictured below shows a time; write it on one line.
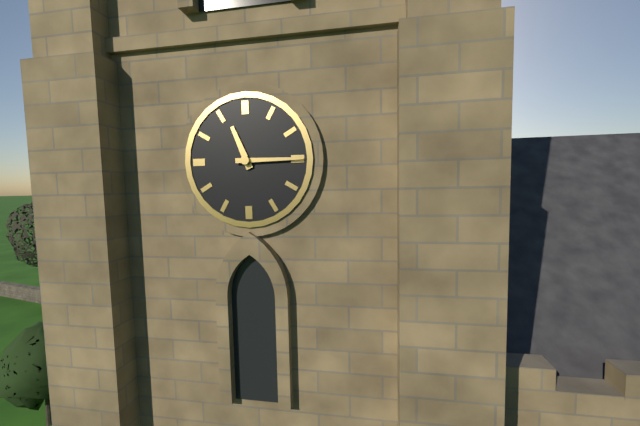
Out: **11:15**
